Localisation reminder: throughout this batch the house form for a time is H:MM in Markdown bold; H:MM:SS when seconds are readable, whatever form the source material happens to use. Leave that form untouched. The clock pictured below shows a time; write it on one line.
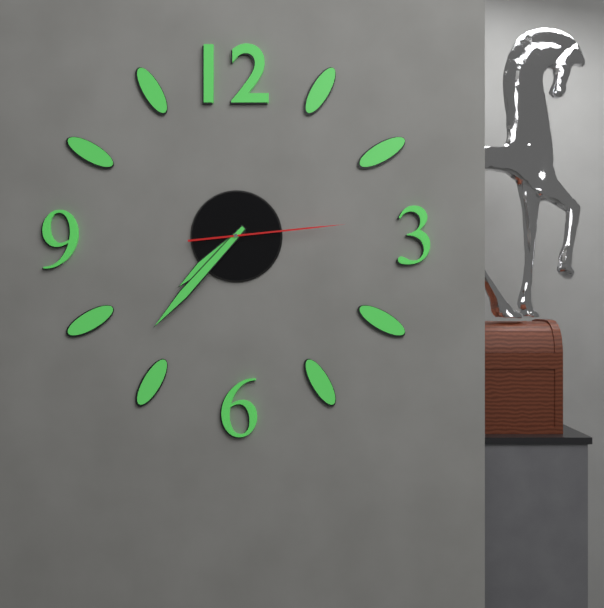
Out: **7:37:14**
